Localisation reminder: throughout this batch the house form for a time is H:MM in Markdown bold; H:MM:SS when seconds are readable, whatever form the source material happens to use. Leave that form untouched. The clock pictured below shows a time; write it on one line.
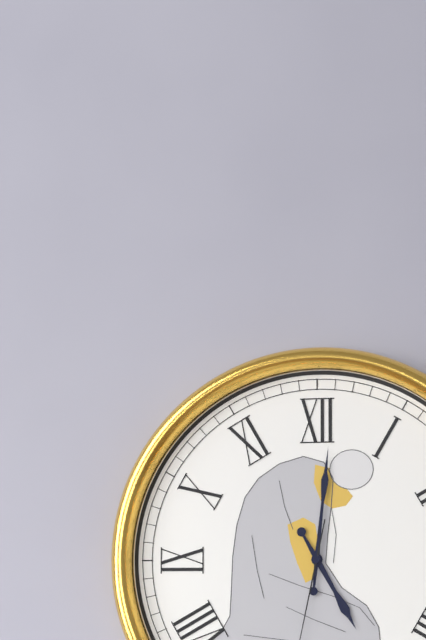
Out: **5:01**
